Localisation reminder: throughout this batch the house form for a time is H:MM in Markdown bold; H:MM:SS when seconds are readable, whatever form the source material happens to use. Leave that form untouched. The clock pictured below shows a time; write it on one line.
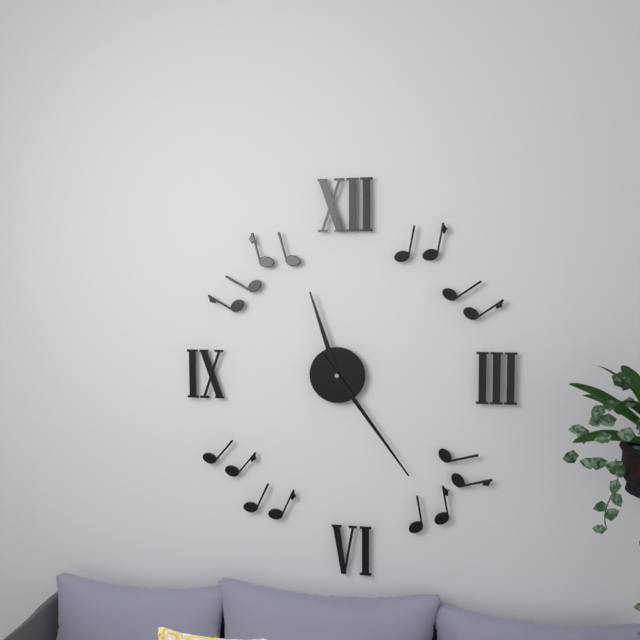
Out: **11:24**
